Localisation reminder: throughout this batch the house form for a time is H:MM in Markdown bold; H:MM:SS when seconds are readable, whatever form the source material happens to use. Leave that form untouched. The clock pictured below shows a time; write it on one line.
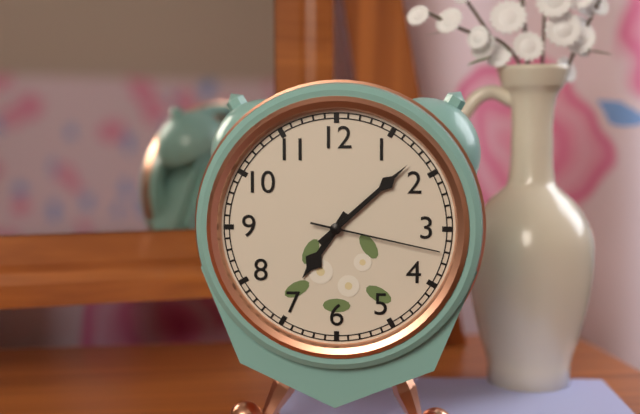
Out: **7:08:17**
